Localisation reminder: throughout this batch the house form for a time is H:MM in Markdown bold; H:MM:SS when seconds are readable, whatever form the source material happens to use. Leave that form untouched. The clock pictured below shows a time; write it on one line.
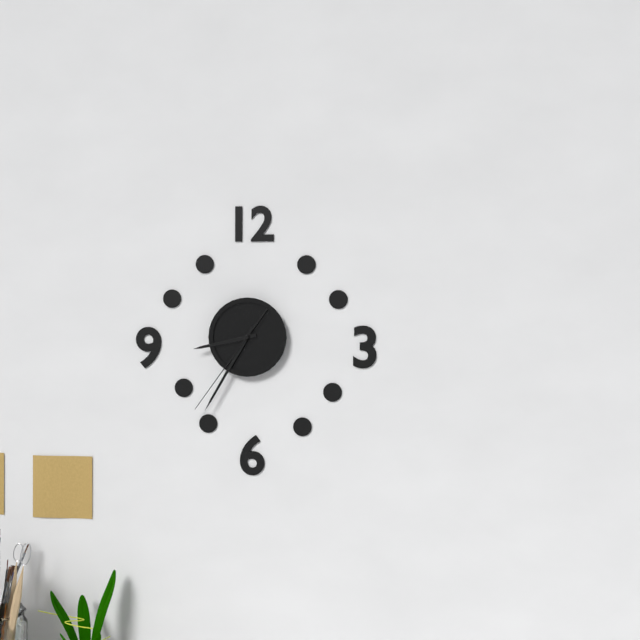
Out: **8:35:36**
